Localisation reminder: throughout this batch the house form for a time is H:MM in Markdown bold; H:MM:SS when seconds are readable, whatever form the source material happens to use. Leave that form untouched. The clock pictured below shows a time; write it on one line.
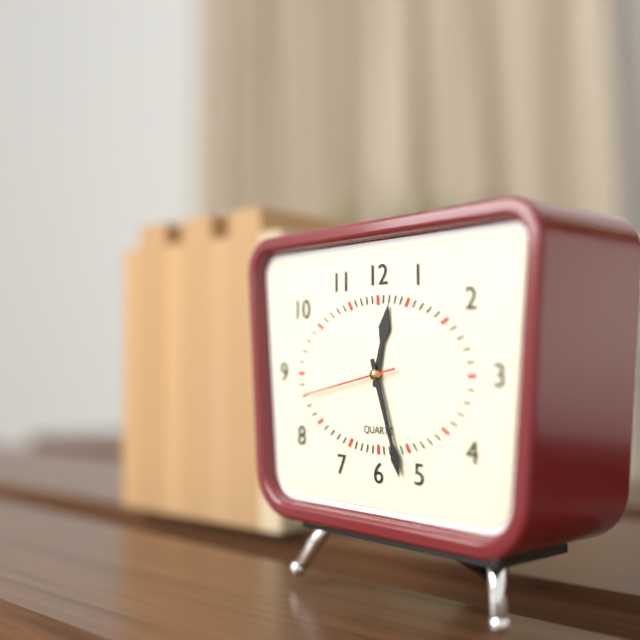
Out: **12:27:43**
